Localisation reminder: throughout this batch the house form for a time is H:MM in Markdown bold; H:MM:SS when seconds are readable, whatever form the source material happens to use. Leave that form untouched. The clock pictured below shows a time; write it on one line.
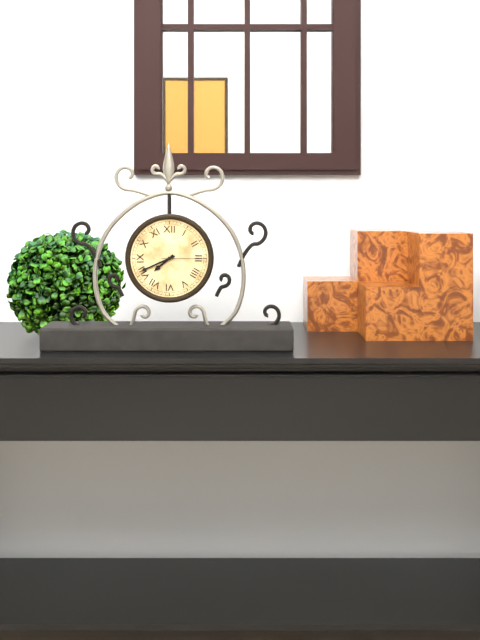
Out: **7:41**
